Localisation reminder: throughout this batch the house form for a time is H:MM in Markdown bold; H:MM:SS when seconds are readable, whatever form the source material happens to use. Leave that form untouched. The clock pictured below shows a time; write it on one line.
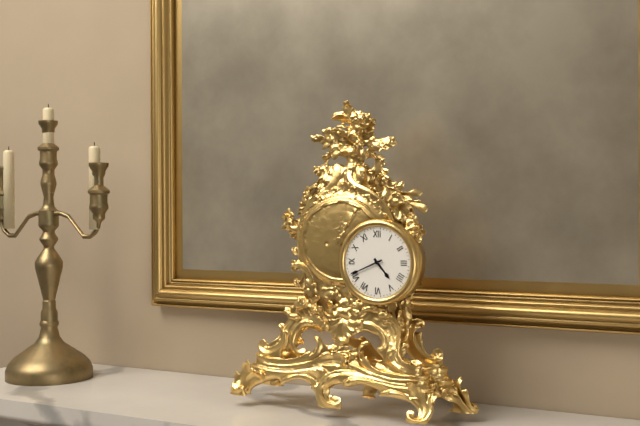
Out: **4:41**
